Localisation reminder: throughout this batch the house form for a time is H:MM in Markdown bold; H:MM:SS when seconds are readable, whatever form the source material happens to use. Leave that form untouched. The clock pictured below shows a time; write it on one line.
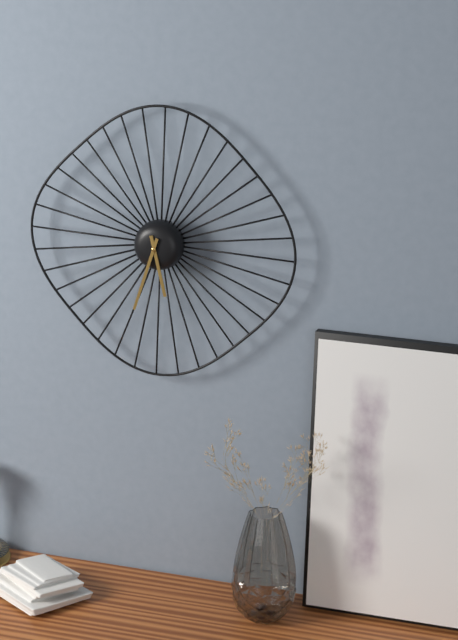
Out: **5:33**
